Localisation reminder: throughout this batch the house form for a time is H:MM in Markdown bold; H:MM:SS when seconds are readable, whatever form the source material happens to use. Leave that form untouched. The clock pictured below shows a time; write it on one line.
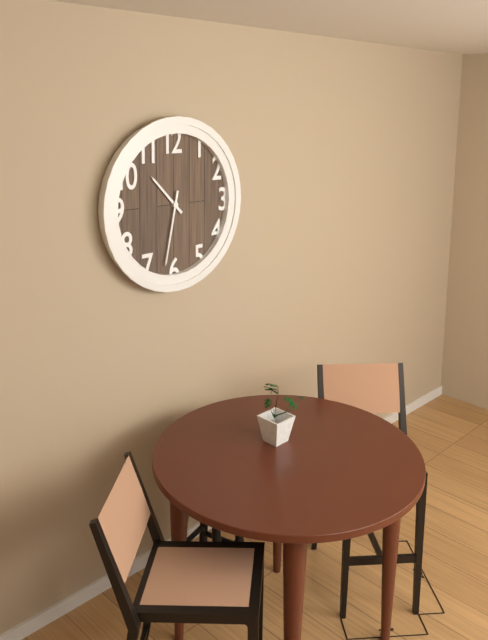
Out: **10:32**
